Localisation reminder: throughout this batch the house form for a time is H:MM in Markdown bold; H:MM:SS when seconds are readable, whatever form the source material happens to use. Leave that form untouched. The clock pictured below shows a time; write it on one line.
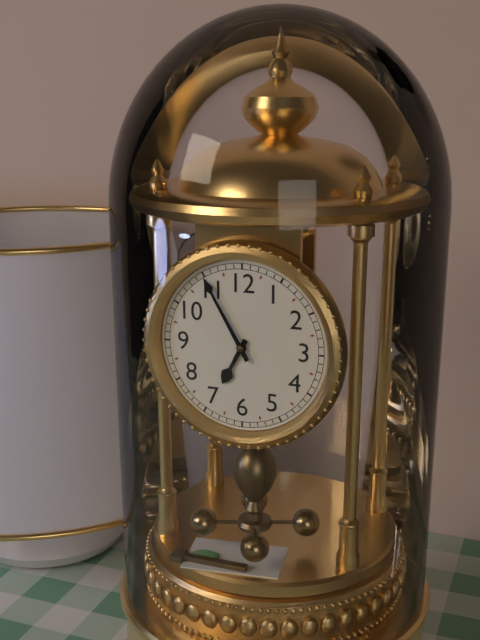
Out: **6:55**
